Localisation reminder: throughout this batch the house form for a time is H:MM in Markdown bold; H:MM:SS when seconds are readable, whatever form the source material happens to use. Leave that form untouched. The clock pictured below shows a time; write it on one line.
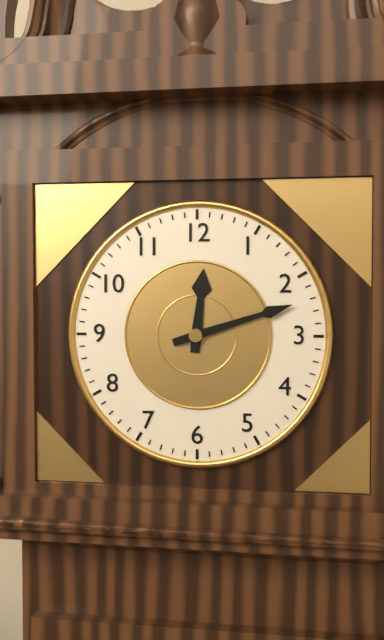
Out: **12:12**
